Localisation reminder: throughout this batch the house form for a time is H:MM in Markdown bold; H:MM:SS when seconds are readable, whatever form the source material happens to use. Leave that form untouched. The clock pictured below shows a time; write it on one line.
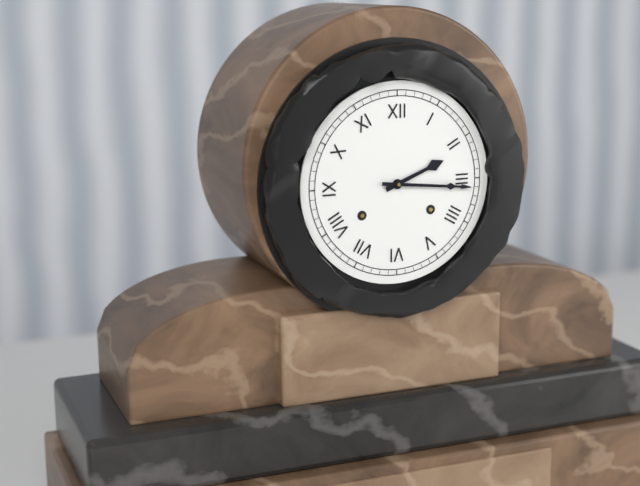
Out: **2:16**
